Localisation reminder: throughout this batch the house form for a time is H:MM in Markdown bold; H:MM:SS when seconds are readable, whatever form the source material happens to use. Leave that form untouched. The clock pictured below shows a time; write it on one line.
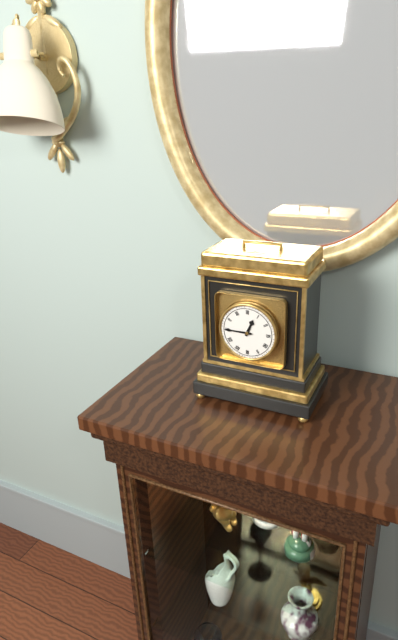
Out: **12:45**
